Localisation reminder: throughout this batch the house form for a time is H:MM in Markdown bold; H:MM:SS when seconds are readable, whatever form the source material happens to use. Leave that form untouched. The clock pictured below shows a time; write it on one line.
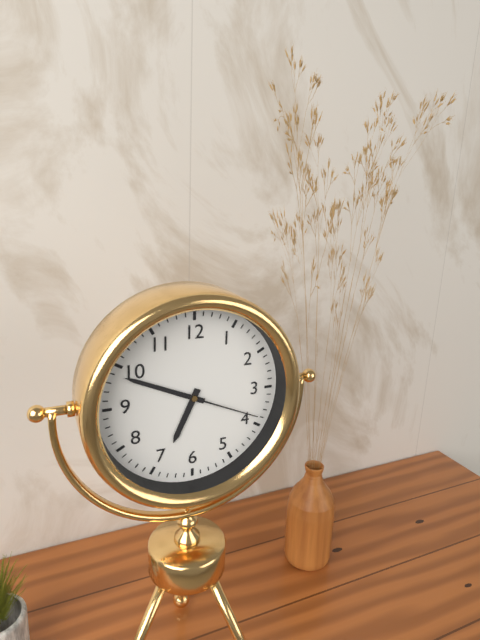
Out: **6:49:19**
